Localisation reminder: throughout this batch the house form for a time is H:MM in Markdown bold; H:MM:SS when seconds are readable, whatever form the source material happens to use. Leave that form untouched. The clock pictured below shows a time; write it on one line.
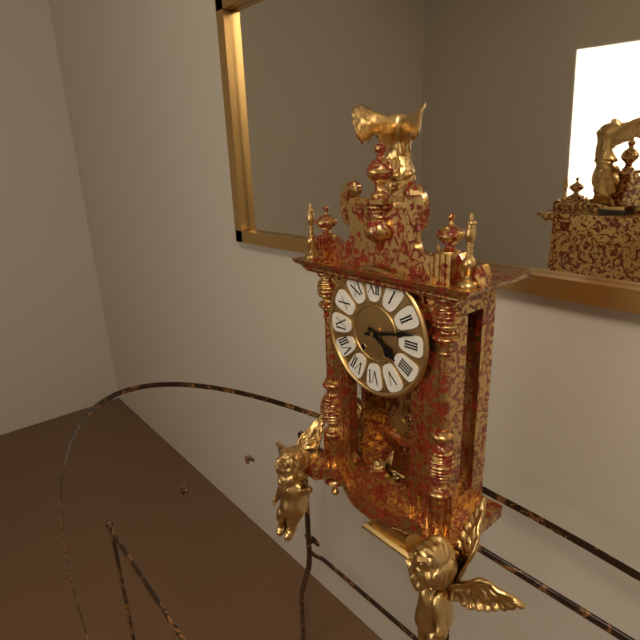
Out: **4:13**
